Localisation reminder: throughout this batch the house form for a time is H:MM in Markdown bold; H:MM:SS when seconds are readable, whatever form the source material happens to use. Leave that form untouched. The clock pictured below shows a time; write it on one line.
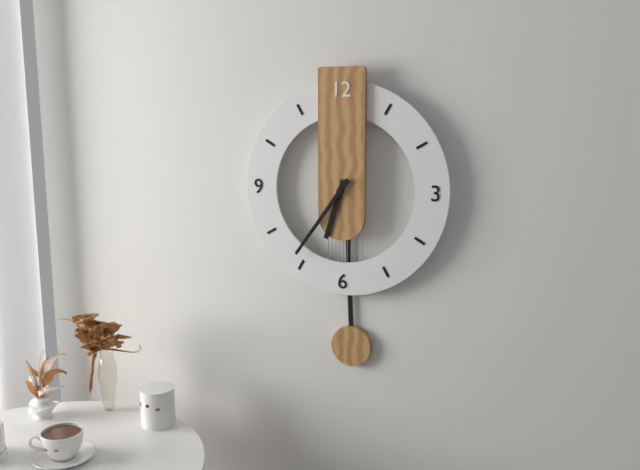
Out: **6:36**
